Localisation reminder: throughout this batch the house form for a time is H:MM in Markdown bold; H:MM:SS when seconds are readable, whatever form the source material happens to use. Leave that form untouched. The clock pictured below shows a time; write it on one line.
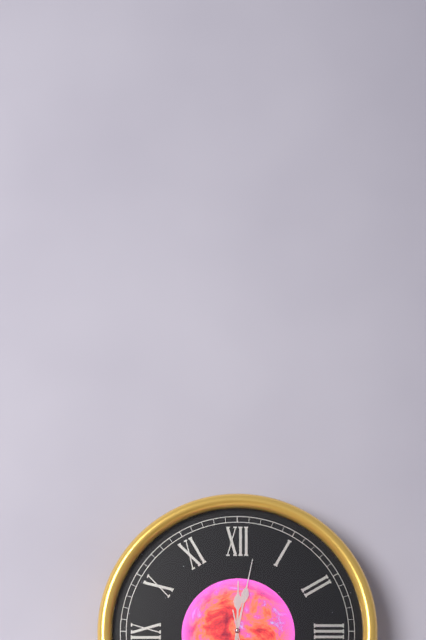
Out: **12:02**
